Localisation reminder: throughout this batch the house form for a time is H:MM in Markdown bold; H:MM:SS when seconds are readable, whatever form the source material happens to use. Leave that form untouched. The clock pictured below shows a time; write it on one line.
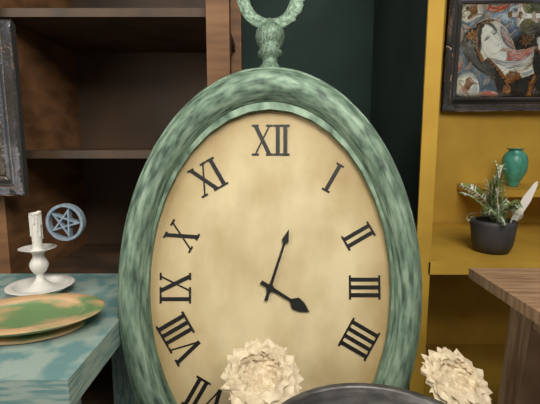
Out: **4:03**
